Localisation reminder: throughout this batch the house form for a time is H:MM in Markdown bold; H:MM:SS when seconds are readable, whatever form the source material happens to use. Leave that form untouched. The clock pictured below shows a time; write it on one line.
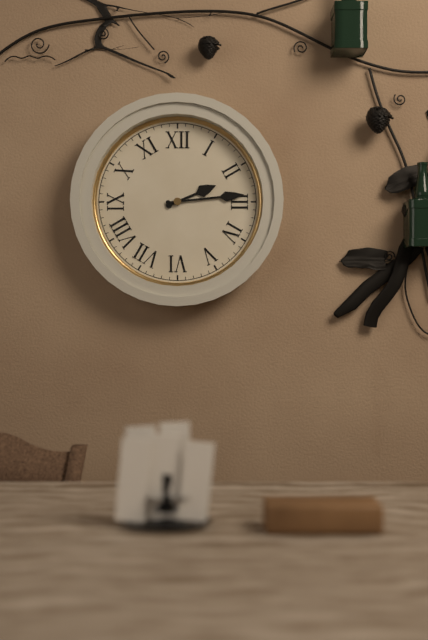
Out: **2:14**
